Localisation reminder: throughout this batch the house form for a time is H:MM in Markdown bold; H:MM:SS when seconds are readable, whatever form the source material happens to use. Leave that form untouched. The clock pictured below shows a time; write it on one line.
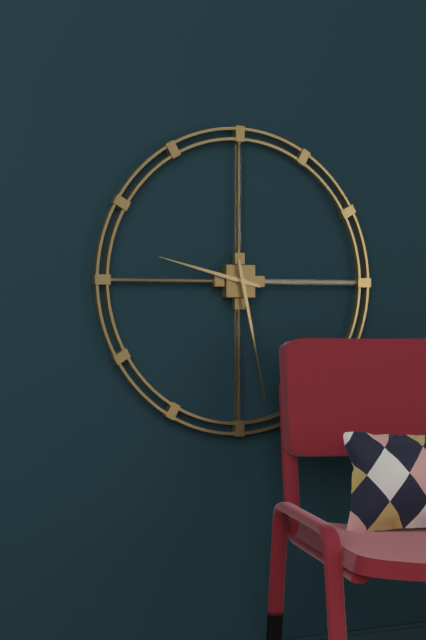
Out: **9:28**
